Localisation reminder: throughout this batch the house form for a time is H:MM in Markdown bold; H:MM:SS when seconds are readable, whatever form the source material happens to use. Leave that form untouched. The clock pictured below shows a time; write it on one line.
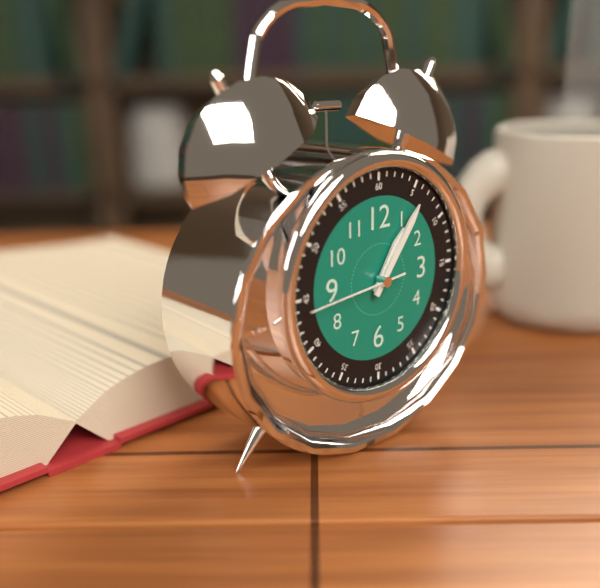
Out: **1:06:44**
